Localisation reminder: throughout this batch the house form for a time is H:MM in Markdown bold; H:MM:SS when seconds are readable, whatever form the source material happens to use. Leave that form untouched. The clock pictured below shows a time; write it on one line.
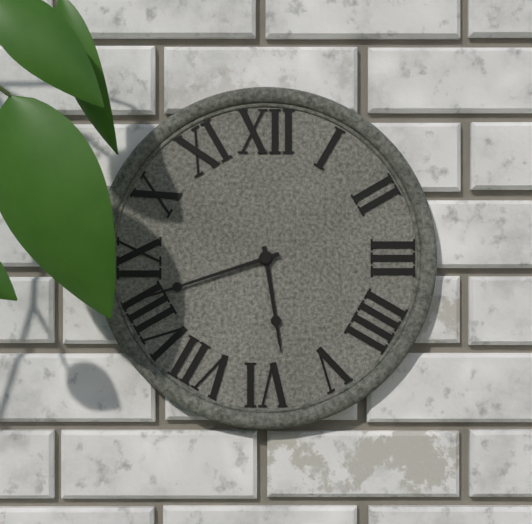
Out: **5:42**
